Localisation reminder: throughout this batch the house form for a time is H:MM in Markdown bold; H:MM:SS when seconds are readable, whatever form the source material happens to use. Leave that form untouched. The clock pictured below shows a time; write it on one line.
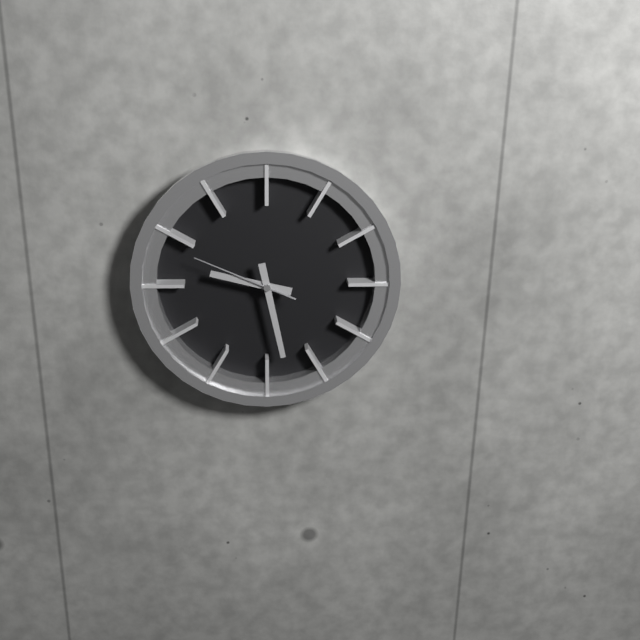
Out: **9:28:49**
